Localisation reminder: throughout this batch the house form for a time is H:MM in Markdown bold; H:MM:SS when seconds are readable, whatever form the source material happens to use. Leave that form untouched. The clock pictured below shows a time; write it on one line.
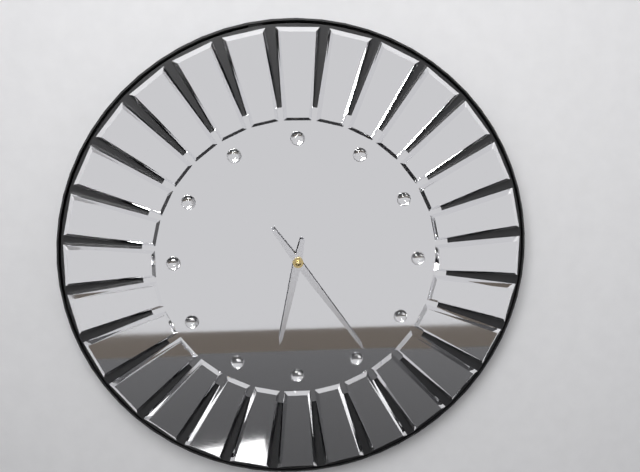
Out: **6:24**
